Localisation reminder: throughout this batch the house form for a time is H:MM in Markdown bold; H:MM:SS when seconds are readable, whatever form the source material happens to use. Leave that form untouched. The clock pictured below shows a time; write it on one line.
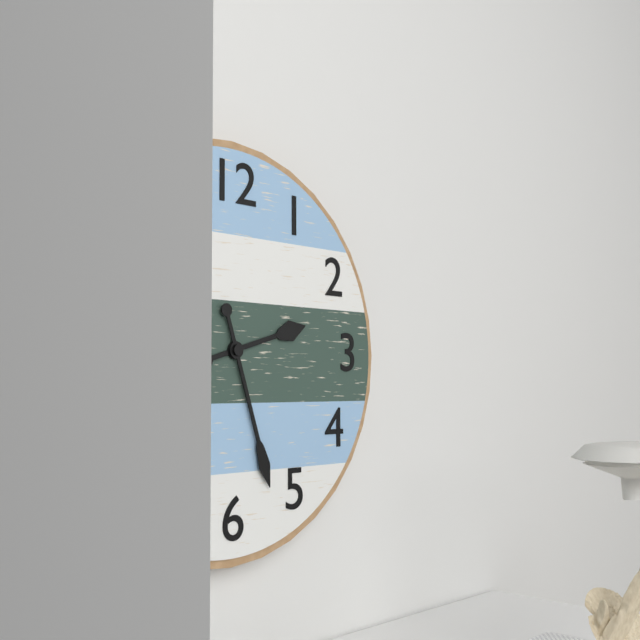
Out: **2:27**
